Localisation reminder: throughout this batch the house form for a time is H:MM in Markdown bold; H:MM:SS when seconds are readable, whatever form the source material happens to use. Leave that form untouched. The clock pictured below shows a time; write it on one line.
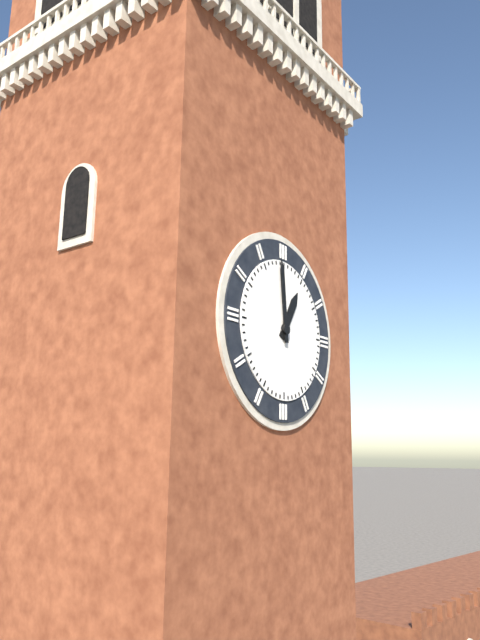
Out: **12:59**
